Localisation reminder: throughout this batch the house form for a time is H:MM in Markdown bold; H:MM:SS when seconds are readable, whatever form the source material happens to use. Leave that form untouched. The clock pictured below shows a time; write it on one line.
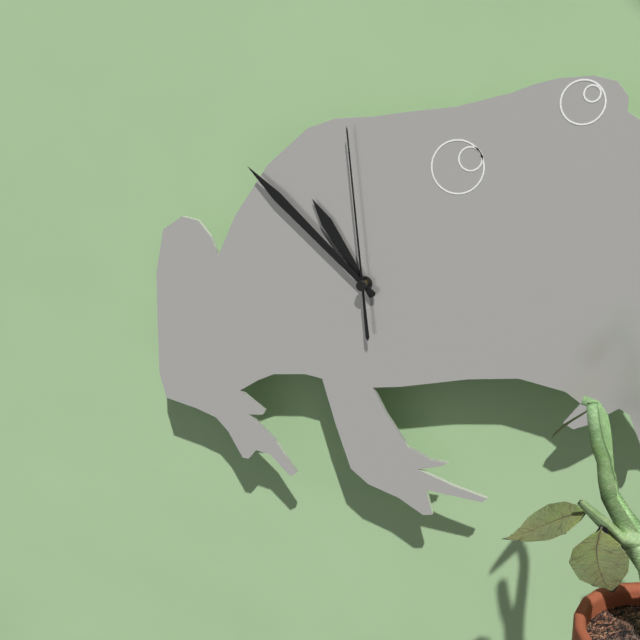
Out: **10:52:59**
